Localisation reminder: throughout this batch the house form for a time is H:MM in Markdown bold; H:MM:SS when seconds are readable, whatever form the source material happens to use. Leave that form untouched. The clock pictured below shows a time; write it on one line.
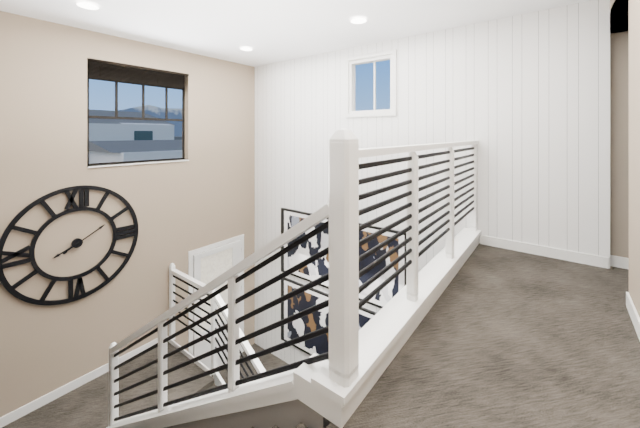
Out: **8:10**
